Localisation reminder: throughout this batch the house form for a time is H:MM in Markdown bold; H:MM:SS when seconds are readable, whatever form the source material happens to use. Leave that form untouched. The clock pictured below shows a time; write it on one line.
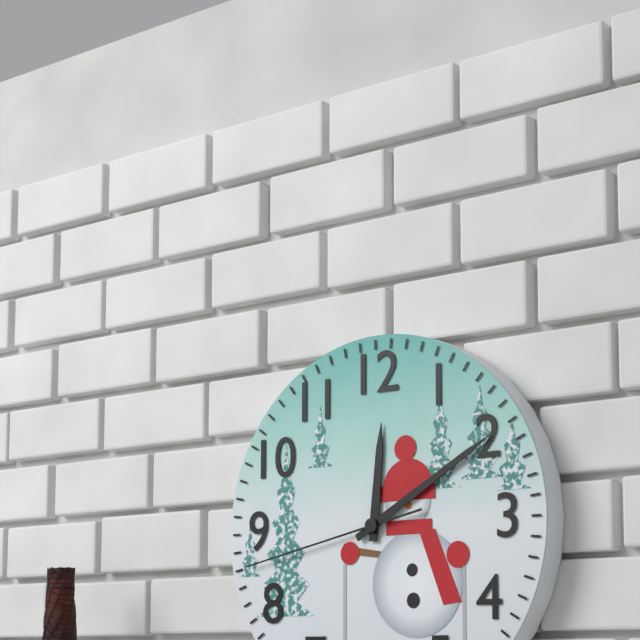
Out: **12:10:43**
